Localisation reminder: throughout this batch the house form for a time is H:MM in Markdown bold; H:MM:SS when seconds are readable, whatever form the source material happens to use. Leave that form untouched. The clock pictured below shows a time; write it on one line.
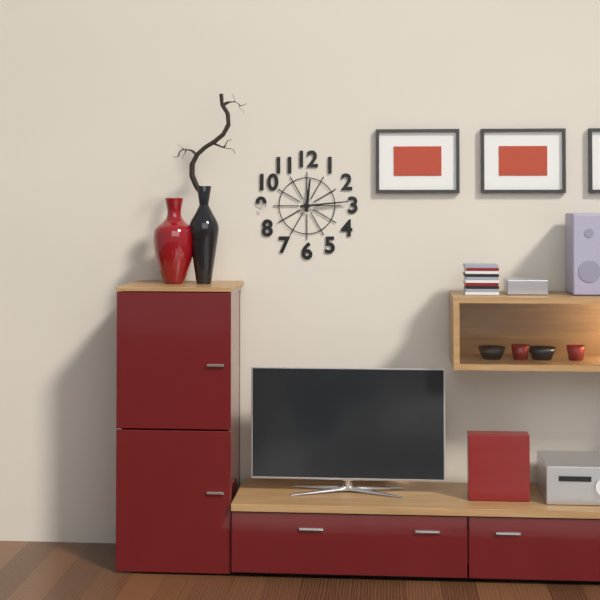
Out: **12:14**
